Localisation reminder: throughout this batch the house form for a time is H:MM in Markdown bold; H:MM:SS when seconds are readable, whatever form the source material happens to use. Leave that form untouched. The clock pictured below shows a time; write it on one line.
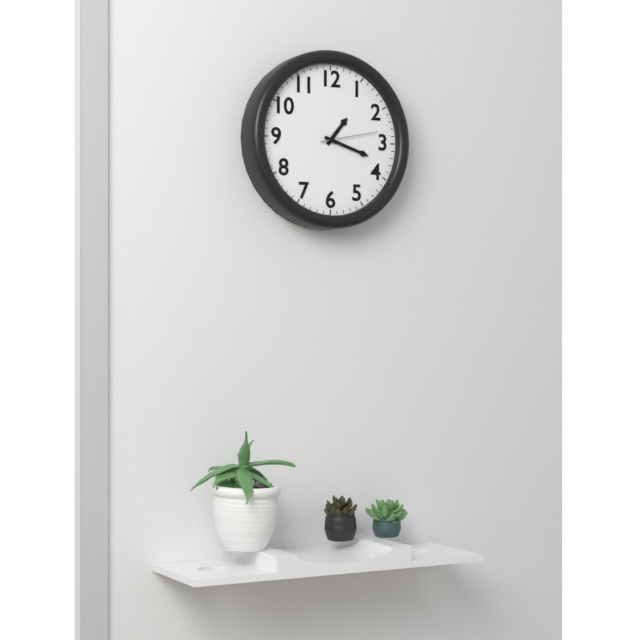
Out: **1:18:13**
